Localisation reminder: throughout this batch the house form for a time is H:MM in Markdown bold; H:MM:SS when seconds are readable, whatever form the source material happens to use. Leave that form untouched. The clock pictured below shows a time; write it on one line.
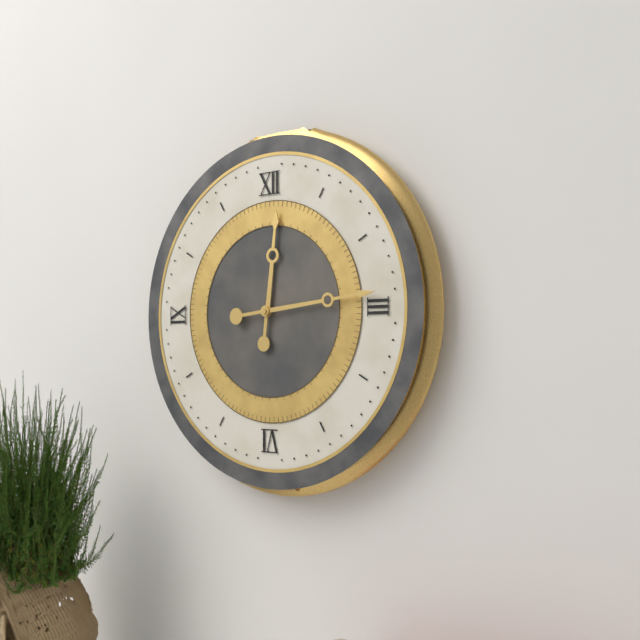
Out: **12:14**
